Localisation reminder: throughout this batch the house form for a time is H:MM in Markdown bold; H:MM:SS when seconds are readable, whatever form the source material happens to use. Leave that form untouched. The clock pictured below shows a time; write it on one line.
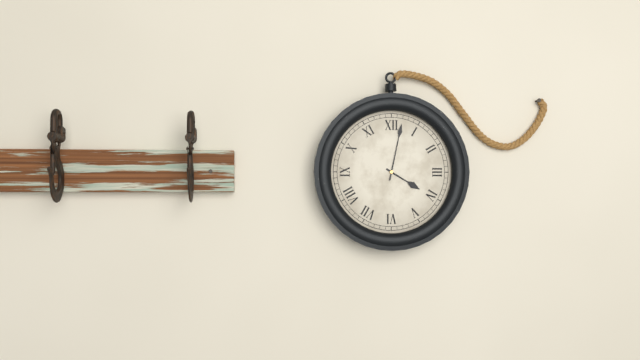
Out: **4:02**
